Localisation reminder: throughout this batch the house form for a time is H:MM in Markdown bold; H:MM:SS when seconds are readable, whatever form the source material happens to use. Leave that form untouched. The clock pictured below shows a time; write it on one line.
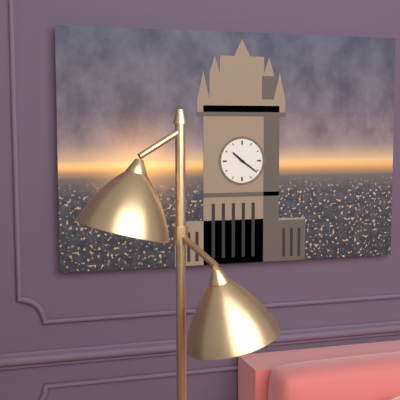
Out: **10:21**
